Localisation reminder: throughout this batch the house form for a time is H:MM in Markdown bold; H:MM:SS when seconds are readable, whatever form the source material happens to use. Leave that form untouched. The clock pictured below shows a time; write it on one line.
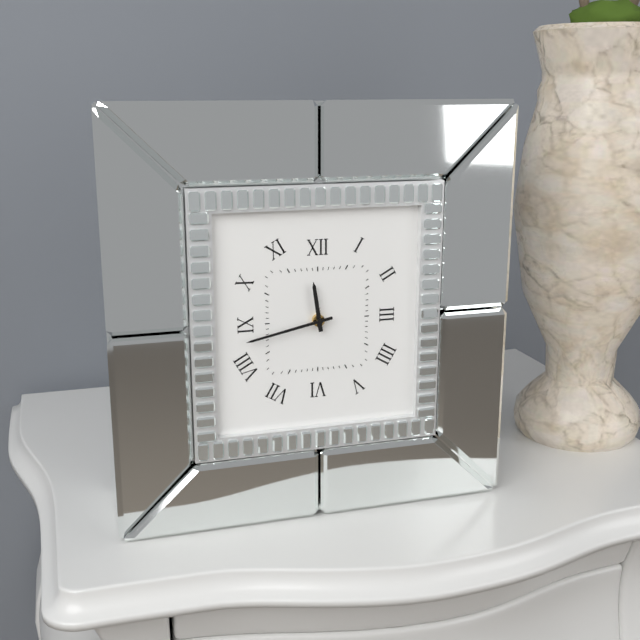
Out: **11:43**
